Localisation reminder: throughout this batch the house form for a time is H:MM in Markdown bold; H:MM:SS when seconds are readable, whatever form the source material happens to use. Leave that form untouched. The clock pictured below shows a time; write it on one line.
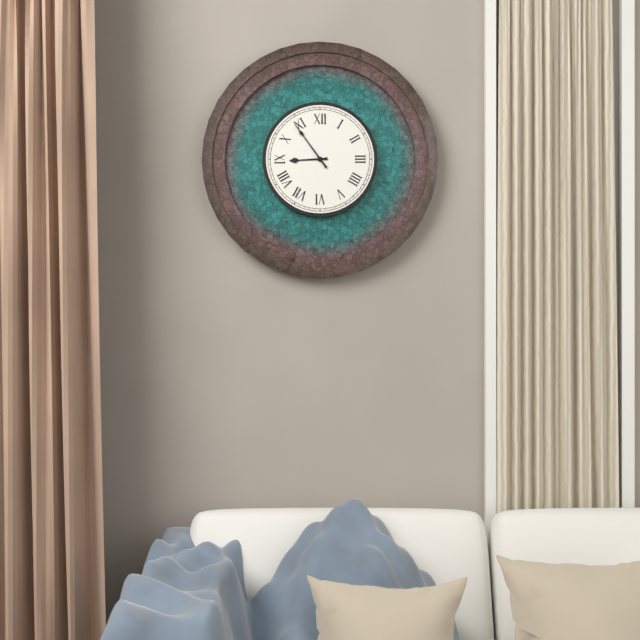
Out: **8:54**
